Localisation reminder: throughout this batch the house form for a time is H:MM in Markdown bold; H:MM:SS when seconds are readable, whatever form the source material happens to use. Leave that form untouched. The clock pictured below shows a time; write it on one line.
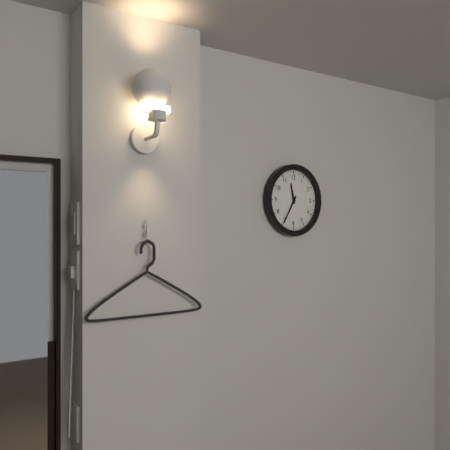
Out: **11:35**
